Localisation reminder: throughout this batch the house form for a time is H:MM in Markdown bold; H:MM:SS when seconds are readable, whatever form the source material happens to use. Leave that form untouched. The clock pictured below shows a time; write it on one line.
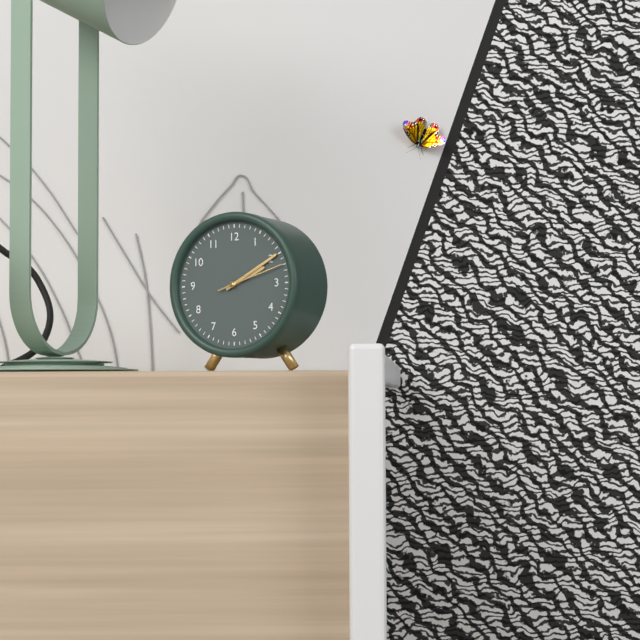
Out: **2:10:12**
